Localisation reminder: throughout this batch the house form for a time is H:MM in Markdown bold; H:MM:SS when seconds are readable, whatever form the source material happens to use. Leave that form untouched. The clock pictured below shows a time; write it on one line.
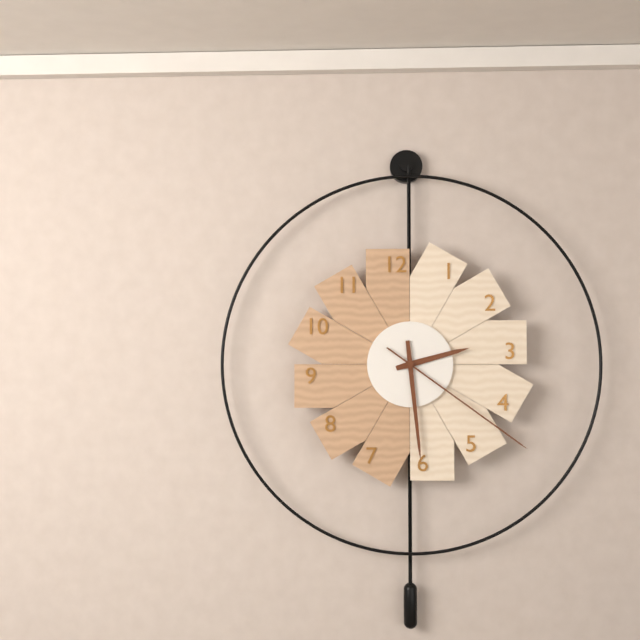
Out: **2:29:21**
